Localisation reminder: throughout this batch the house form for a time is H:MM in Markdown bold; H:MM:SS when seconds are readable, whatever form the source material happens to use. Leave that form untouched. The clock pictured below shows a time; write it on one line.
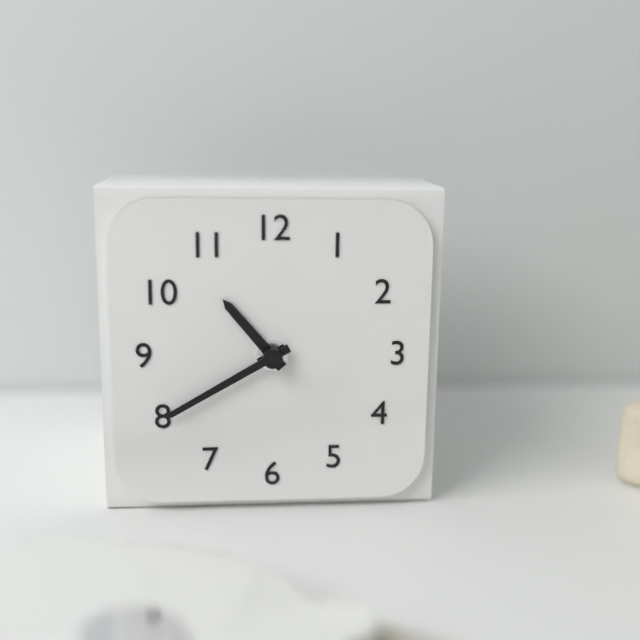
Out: **10:40**
